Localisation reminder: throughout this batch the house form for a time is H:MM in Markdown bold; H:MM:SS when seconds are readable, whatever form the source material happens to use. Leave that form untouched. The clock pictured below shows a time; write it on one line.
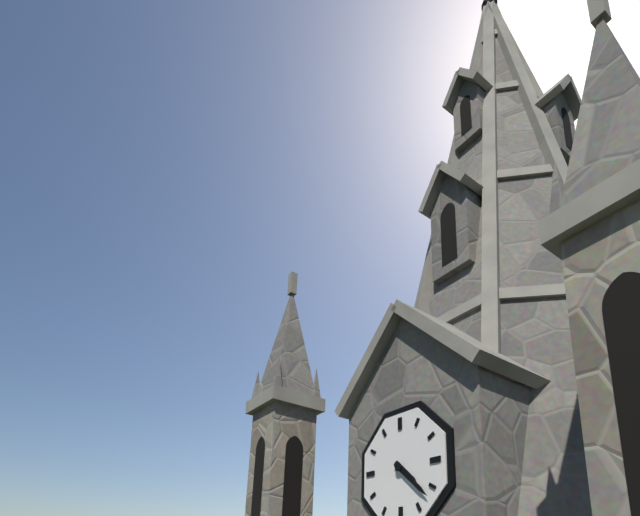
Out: **4:22**
